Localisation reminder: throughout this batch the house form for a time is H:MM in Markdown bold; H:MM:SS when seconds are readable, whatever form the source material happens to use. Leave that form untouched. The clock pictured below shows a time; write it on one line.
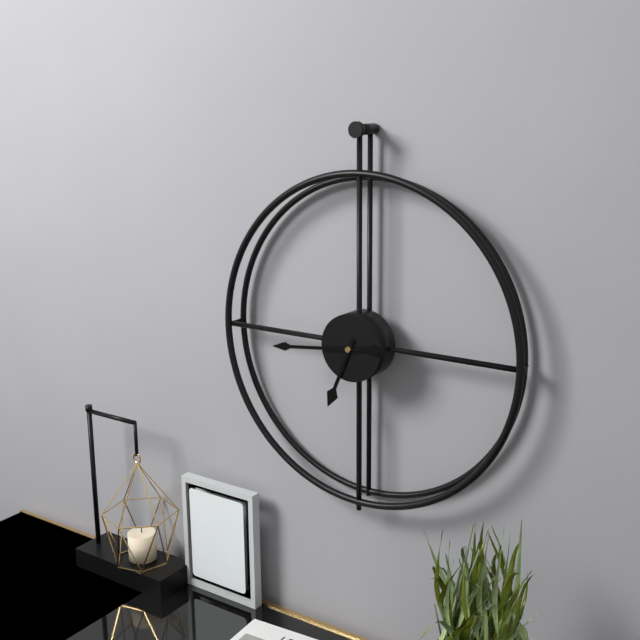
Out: **6:44**
